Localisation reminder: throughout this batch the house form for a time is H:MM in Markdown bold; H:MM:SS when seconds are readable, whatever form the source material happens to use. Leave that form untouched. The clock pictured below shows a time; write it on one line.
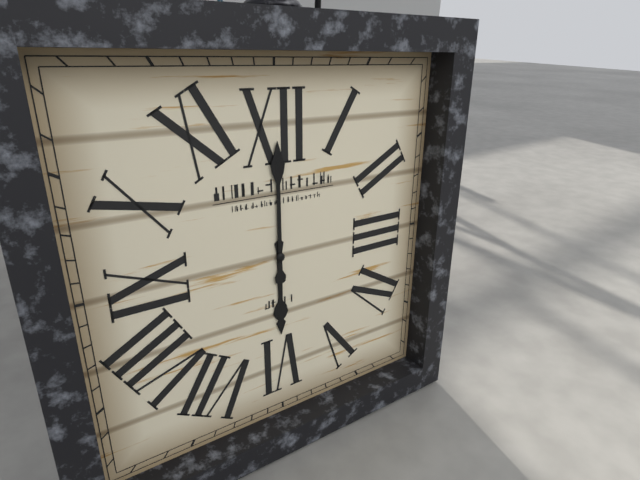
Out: **6:00**
